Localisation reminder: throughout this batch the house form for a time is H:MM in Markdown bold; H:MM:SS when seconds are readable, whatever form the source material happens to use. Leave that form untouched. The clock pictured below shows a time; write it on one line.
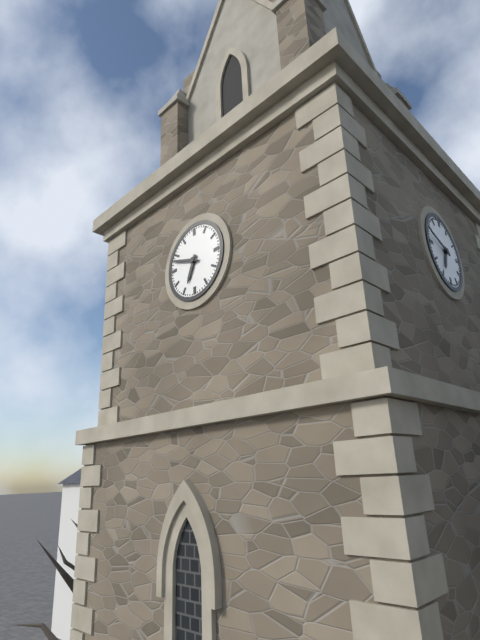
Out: **6:48**
